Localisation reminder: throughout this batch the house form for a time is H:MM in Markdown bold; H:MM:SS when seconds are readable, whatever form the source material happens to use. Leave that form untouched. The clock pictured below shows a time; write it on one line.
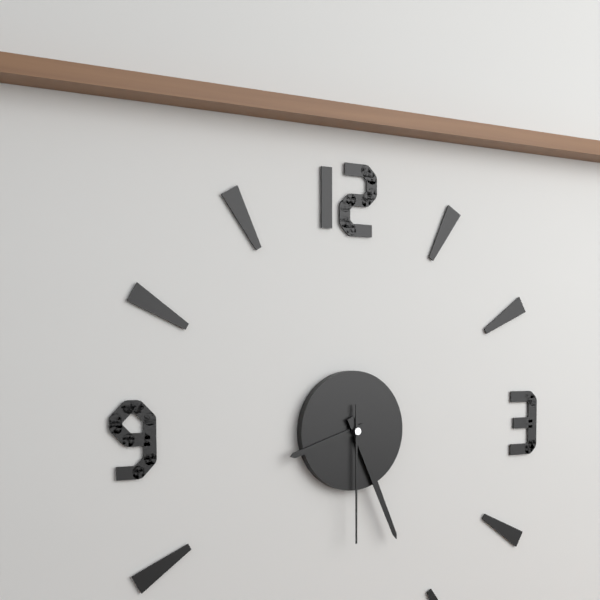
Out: **8:26:30**
